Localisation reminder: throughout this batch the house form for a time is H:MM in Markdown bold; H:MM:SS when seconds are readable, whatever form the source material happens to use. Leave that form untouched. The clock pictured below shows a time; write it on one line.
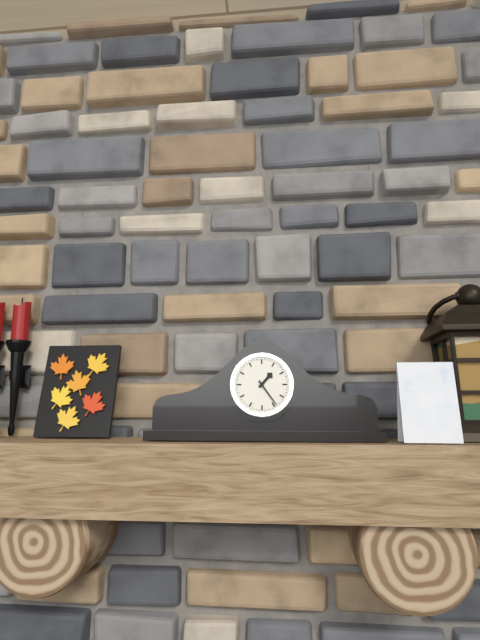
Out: **1:24**
